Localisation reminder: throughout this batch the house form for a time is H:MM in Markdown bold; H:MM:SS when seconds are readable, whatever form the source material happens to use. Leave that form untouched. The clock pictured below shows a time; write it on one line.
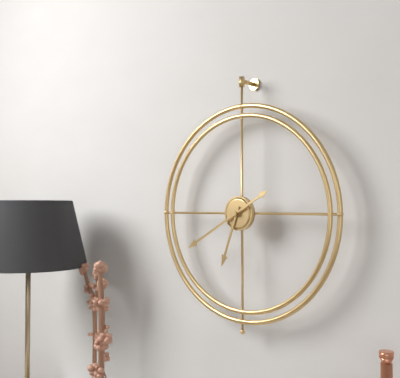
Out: **6:40**
